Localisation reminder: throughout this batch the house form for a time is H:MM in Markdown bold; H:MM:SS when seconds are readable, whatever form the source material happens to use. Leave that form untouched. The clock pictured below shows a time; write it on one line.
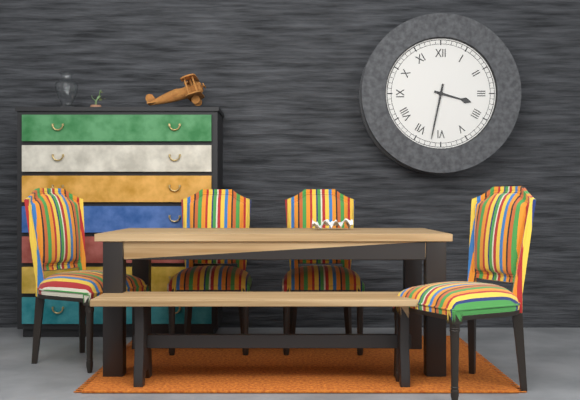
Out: **3:32**
